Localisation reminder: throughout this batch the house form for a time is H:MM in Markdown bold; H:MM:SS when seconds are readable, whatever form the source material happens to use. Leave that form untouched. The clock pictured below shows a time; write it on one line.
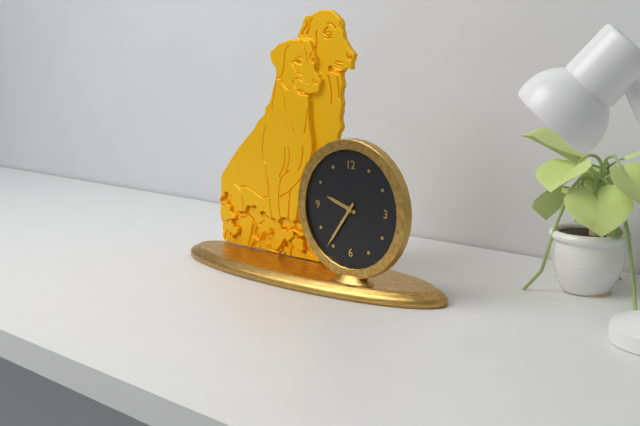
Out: **9:36**
